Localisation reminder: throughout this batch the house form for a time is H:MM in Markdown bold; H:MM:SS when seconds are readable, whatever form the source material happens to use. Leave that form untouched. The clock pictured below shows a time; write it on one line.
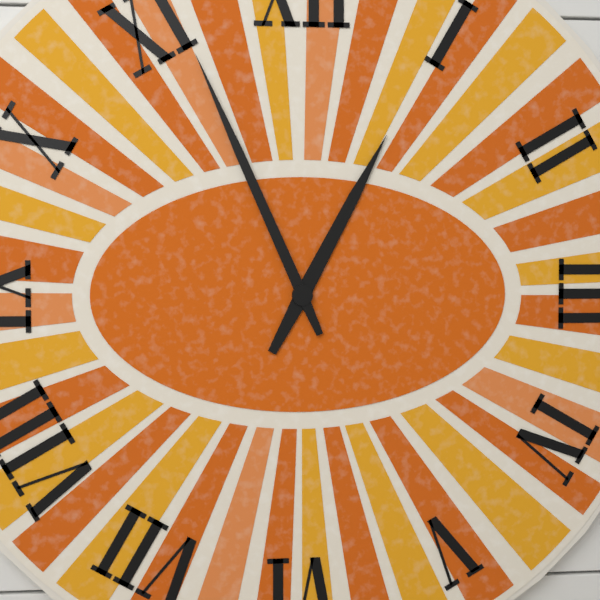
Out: **12:56**
